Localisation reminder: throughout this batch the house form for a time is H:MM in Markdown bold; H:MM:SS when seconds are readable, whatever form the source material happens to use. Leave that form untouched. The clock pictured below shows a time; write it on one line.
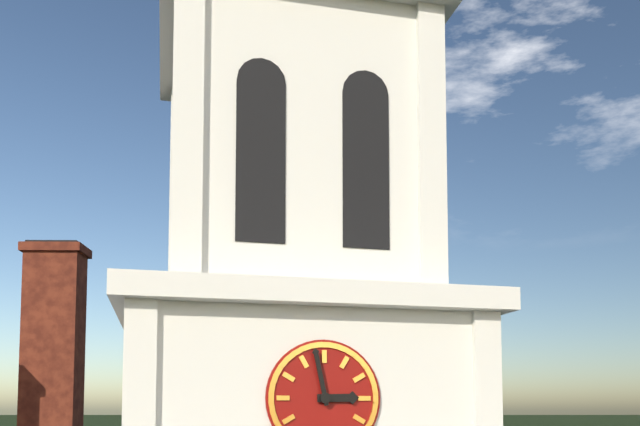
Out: **2:58**
